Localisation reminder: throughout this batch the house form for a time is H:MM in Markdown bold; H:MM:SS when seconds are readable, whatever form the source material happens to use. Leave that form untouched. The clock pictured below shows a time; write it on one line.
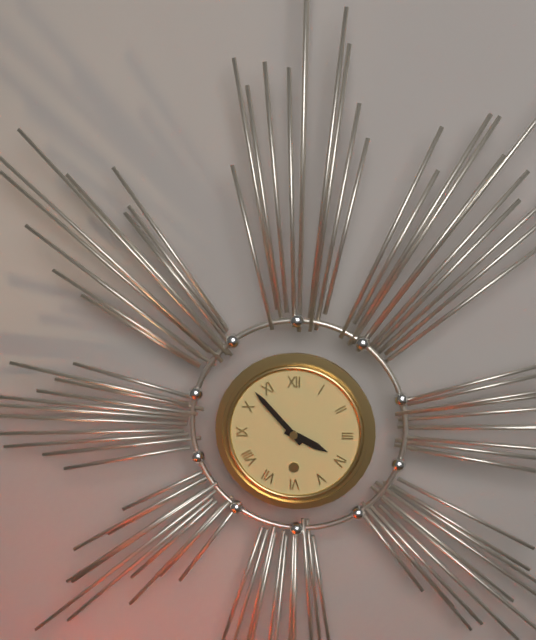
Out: **3:53**
